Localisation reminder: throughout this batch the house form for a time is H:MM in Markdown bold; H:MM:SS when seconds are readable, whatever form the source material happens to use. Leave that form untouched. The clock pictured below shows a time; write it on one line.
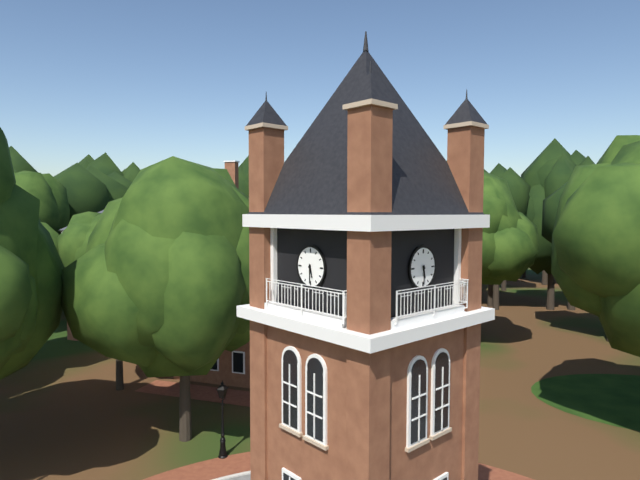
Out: **5:30**
